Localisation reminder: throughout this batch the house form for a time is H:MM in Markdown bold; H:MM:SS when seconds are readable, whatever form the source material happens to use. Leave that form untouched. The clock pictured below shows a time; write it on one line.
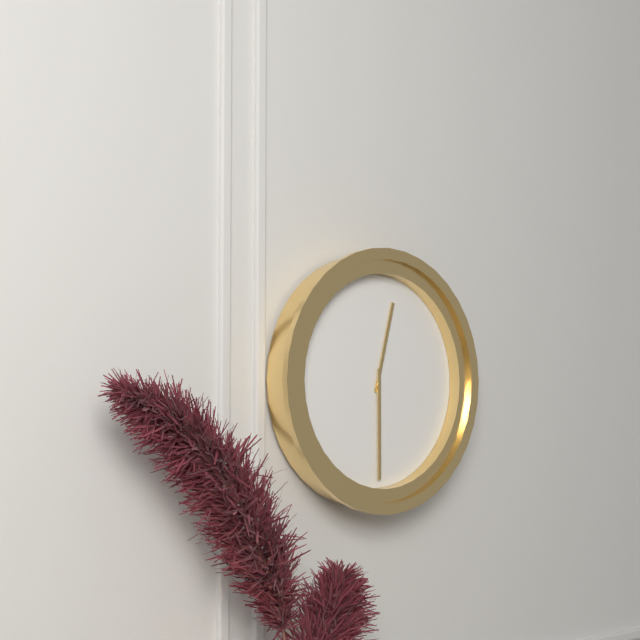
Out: **12:30**
